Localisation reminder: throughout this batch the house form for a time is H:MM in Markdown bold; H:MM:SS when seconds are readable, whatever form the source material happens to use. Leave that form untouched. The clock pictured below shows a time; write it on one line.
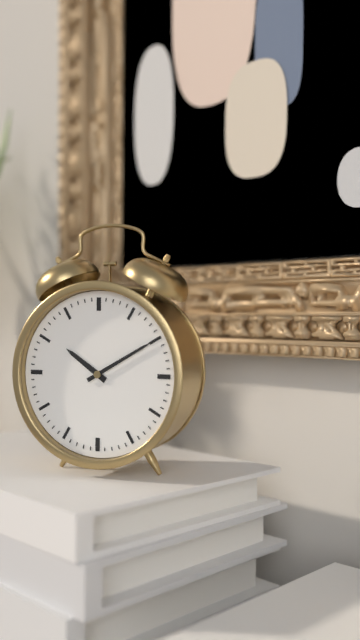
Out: **10:10**
